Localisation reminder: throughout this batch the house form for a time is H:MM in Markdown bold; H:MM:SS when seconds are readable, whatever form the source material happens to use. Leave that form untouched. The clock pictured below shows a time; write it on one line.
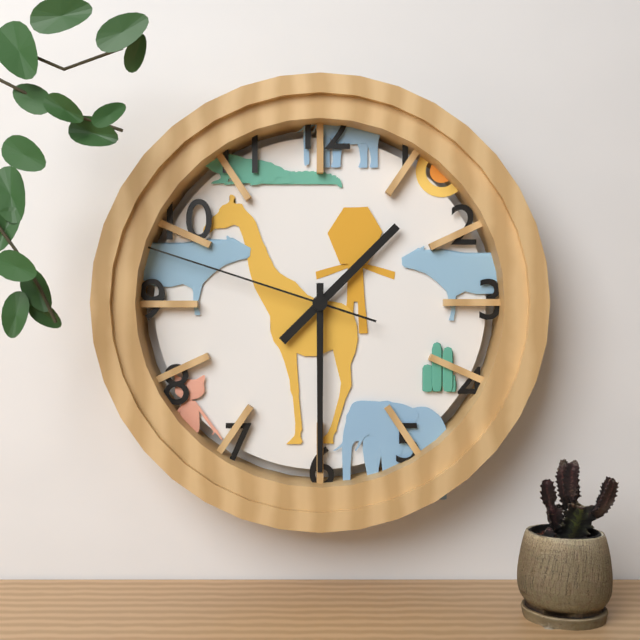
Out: **1:30:48**
